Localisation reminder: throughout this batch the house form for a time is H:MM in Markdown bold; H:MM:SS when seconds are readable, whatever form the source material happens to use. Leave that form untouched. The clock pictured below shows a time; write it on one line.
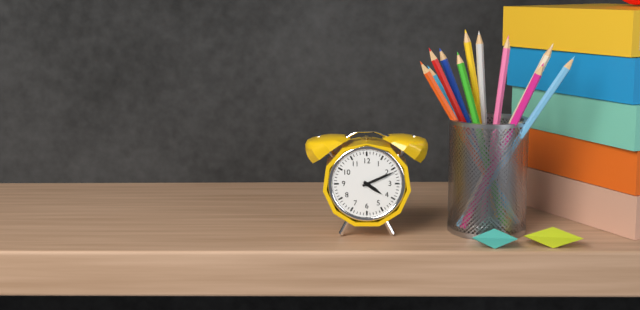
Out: **4:11**
